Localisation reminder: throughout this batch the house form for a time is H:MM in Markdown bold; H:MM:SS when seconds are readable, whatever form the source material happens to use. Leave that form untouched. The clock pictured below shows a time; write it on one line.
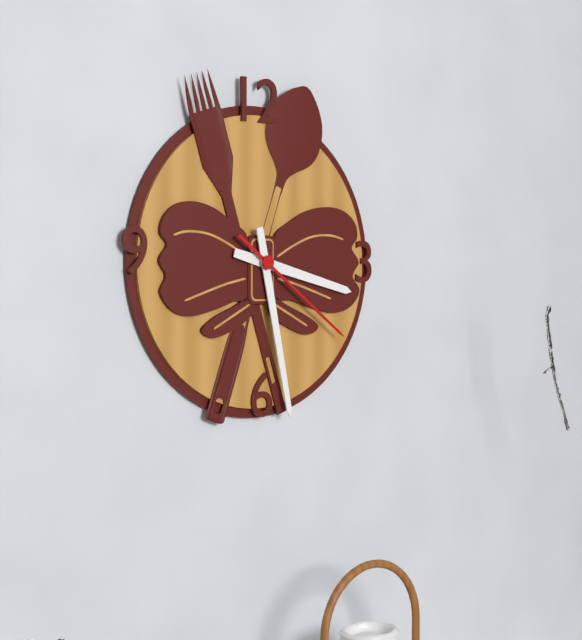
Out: **3:28:21**
